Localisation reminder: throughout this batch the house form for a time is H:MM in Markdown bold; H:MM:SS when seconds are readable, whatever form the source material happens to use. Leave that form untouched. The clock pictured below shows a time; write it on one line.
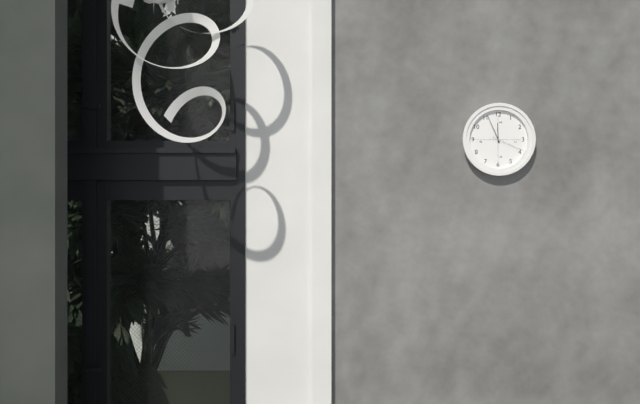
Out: **11:56**
